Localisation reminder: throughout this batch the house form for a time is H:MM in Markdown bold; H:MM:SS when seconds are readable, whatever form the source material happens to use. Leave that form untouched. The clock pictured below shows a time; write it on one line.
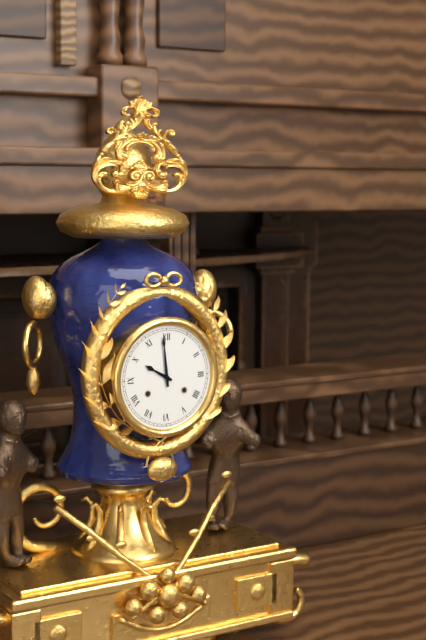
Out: **9:59**
